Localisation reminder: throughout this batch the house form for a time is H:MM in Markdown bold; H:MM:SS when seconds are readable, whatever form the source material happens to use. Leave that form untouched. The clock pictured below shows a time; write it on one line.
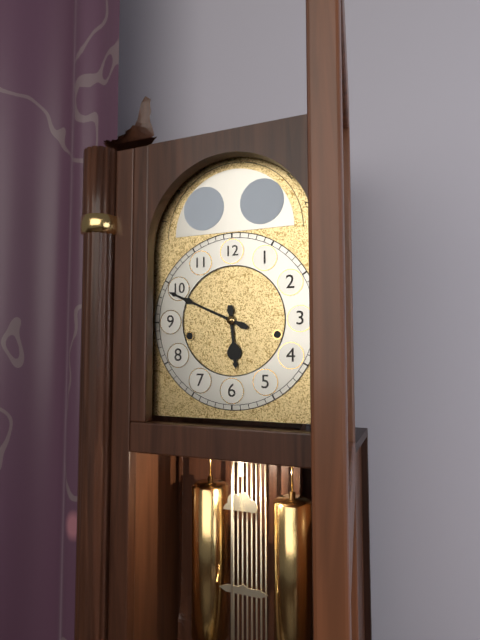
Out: **5:49**
